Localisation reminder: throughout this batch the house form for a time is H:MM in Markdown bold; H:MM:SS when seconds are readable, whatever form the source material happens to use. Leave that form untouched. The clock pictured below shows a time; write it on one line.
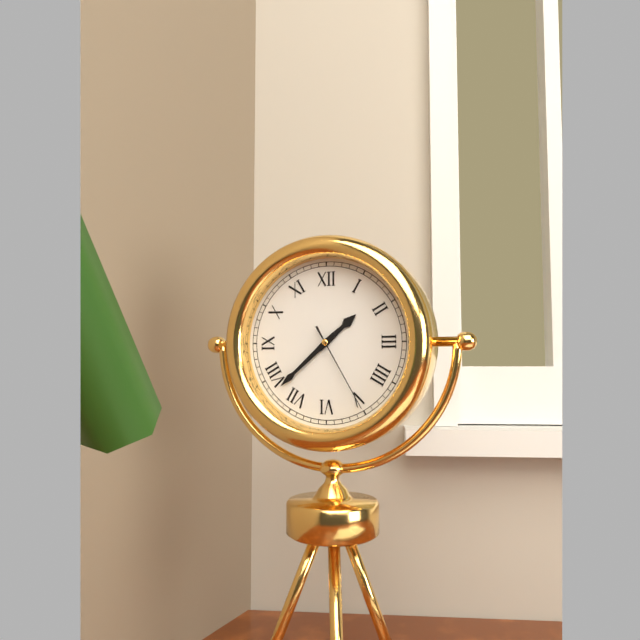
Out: **1:38:25**
